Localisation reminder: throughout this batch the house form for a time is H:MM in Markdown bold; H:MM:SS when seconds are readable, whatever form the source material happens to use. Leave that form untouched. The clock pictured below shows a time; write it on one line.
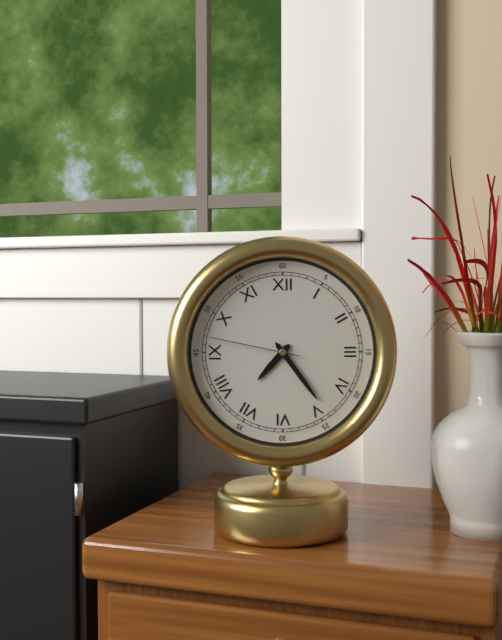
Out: **7:24:47**
